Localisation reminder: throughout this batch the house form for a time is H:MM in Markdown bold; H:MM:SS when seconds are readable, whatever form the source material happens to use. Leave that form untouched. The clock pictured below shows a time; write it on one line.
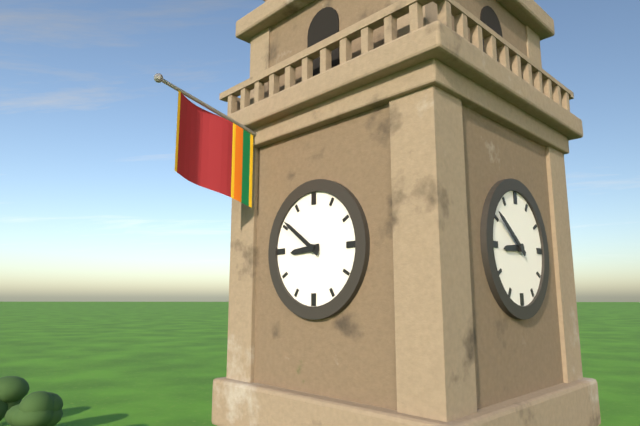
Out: **8:51**
